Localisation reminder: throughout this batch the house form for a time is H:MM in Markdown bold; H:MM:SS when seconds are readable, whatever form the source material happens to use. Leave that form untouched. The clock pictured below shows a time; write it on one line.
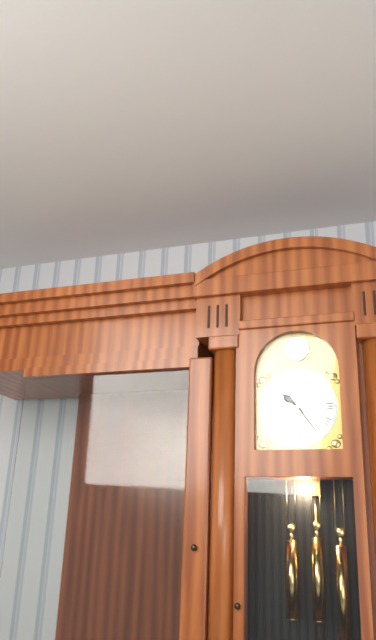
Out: **10:24**
